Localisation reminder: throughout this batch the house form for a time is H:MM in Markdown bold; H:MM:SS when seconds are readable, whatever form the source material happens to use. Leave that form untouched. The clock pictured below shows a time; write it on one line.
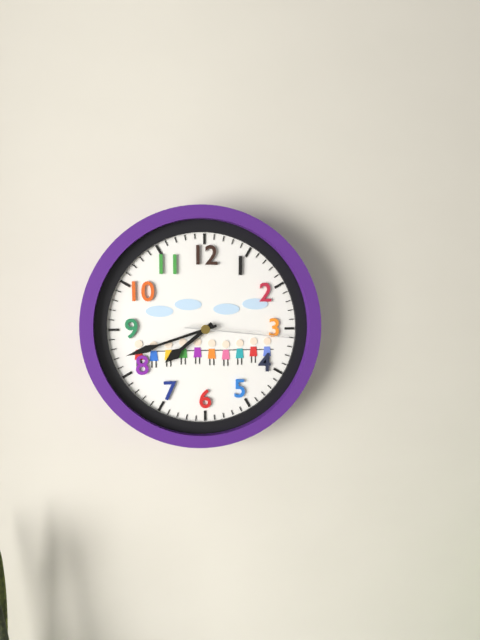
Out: **7:42:16**
